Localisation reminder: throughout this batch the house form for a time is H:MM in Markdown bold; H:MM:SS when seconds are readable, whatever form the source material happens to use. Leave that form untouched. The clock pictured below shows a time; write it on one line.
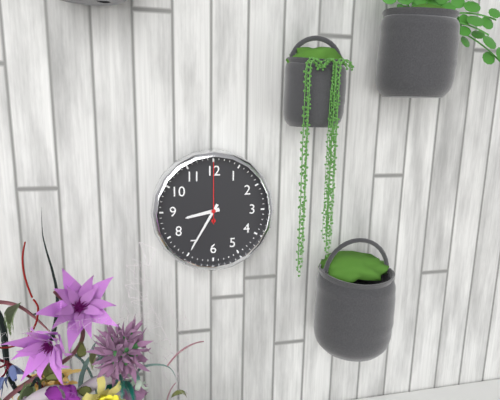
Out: **8:35:00**
